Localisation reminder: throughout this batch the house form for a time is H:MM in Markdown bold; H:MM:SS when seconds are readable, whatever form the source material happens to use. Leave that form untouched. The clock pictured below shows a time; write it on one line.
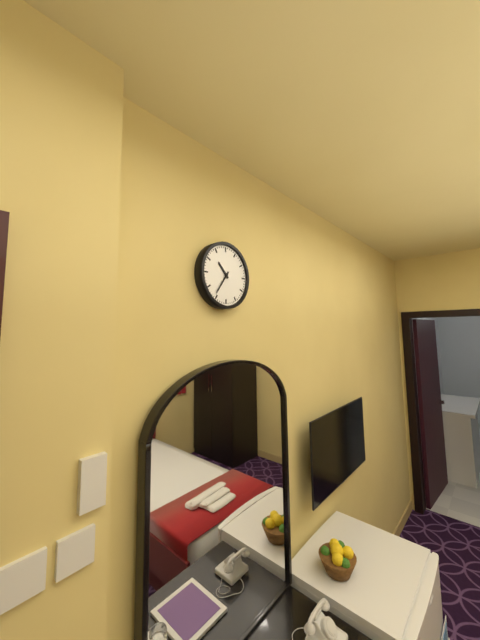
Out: **10:36**
